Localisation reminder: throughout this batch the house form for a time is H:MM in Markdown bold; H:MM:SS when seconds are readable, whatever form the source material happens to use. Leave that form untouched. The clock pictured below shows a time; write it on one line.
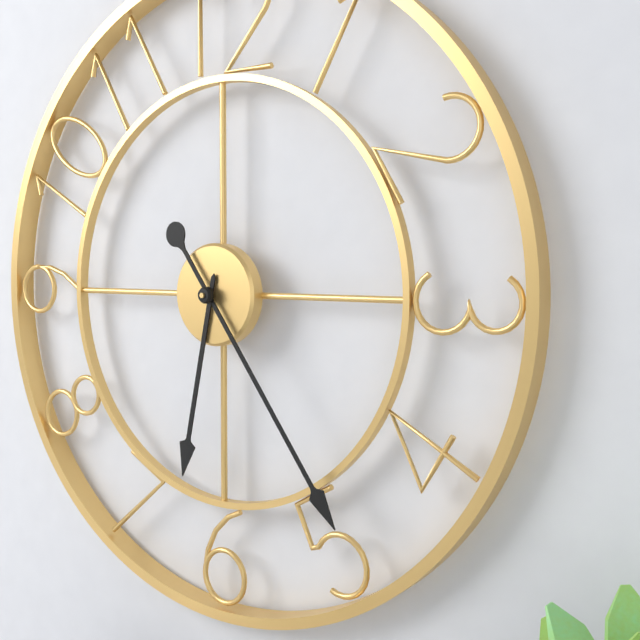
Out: **6:24**
